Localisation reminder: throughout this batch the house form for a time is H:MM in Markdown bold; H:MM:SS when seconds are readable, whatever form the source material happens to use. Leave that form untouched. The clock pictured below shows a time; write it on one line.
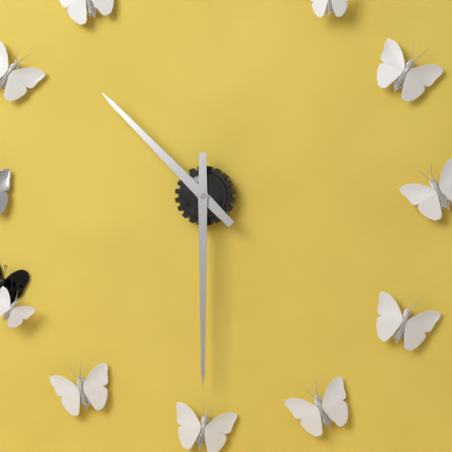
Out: **10:30**
